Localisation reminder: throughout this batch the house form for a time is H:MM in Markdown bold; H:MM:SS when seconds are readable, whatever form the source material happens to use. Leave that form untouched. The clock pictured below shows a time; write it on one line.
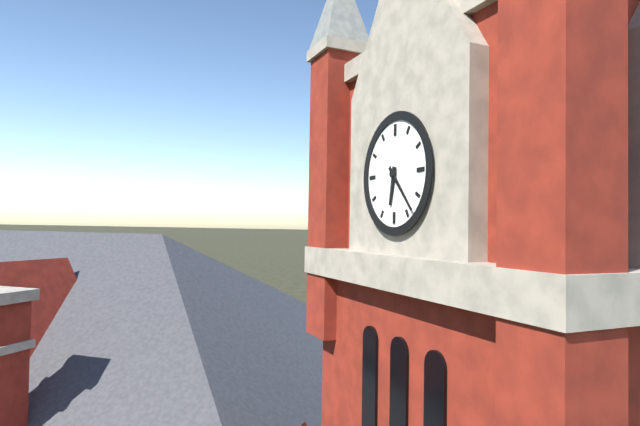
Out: **6:23**
